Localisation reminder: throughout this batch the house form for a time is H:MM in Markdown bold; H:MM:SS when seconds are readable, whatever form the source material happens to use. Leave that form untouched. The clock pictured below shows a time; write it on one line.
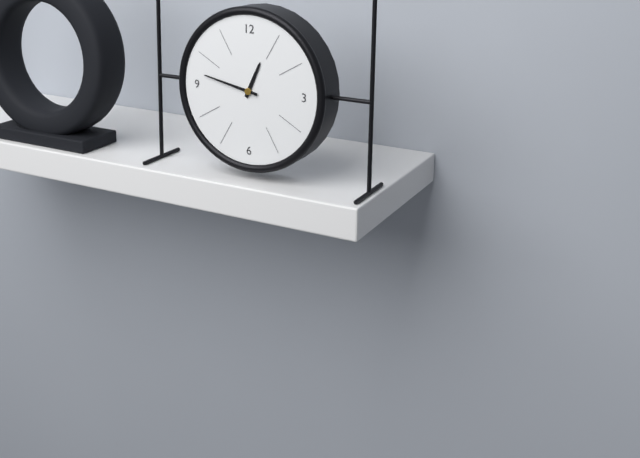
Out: **12:47**
